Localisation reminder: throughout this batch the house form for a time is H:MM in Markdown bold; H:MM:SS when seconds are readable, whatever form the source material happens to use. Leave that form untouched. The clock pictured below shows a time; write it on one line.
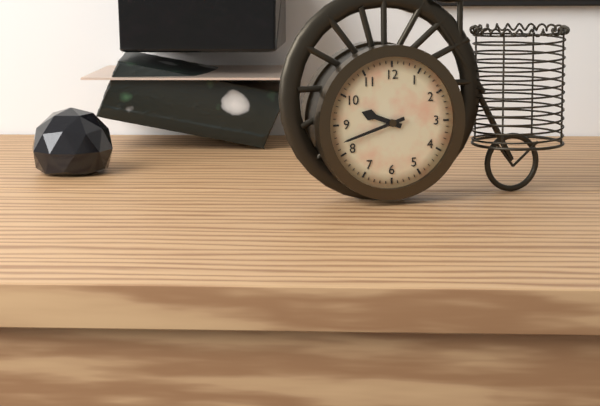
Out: **9:42**
